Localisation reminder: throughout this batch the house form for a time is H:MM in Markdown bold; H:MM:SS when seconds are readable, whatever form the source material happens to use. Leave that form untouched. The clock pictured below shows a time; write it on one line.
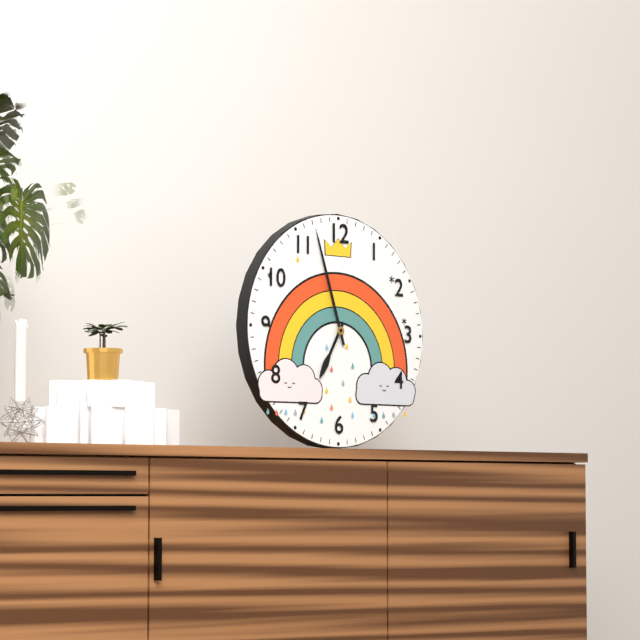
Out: **6:57**
